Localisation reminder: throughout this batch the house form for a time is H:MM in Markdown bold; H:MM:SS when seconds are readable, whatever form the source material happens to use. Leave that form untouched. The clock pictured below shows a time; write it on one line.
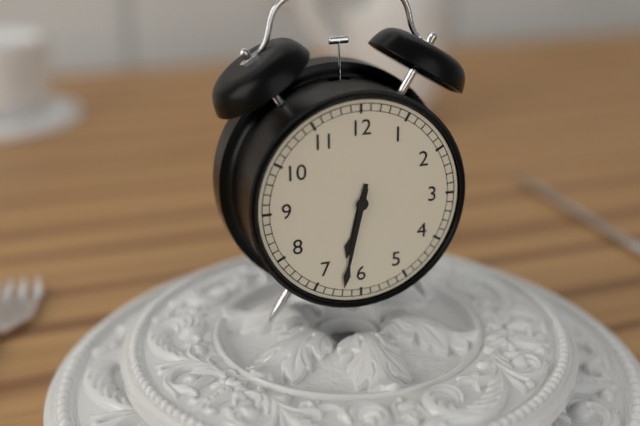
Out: **6:32**
